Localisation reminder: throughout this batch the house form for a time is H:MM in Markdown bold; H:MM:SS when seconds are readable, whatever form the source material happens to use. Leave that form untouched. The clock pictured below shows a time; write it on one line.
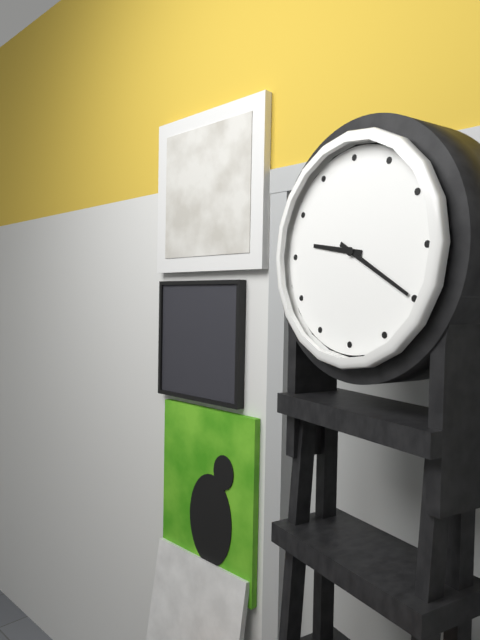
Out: **9:20**
